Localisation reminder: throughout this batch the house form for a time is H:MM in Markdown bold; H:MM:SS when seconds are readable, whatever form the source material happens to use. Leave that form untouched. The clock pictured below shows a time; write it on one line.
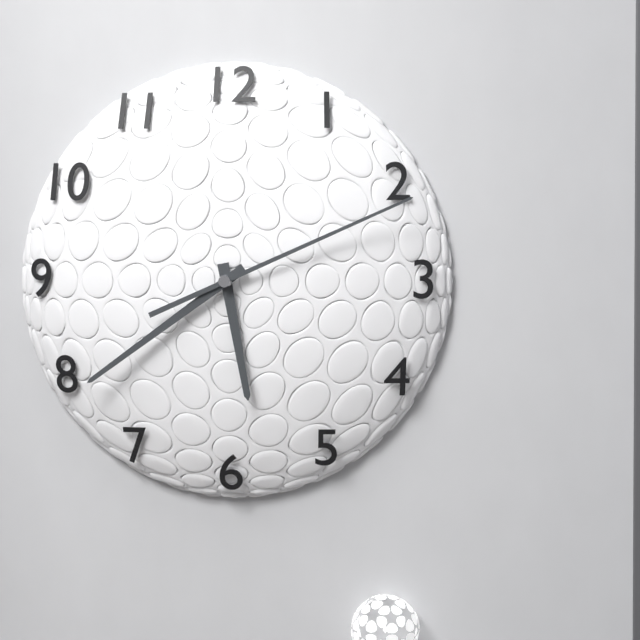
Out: **5:39:11**
